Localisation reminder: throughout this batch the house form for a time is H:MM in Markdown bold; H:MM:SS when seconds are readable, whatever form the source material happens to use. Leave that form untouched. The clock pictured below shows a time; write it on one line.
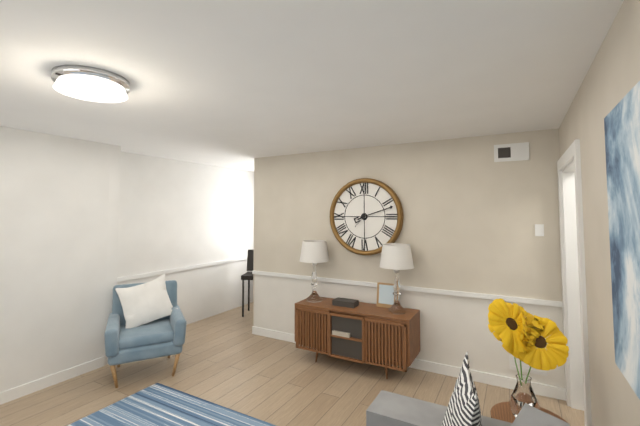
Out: **8:12**
